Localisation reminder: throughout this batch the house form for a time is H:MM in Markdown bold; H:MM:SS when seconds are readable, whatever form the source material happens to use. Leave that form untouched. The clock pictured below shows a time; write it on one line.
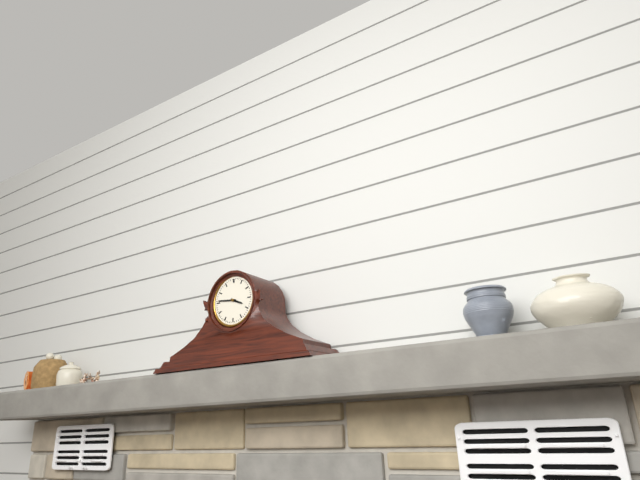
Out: **3:46**
